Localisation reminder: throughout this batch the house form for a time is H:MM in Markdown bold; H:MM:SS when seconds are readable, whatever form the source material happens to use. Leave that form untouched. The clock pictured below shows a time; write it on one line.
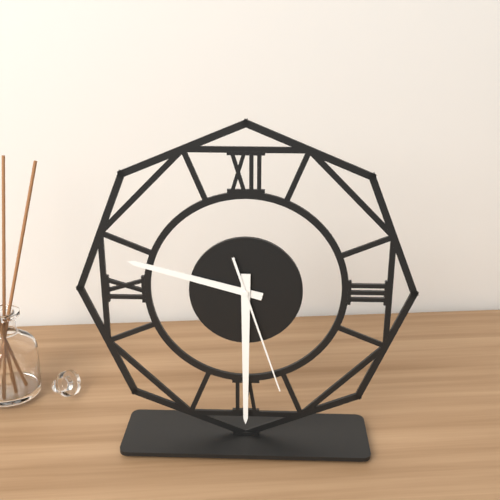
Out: **9:30:27**
